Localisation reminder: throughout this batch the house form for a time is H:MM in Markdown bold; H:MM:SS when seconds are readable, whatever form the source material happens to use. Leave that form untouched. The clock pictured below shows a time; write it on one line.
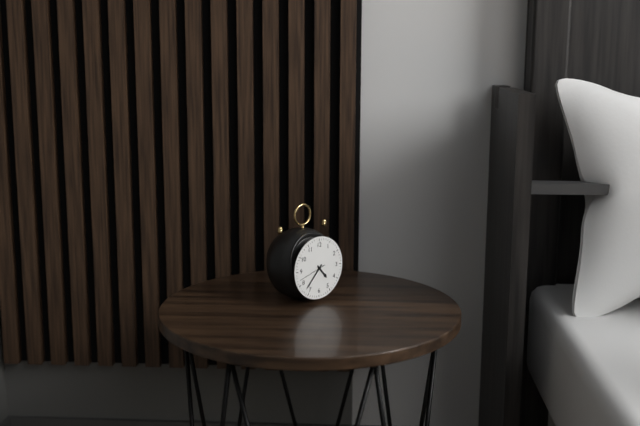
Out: **4:37**
